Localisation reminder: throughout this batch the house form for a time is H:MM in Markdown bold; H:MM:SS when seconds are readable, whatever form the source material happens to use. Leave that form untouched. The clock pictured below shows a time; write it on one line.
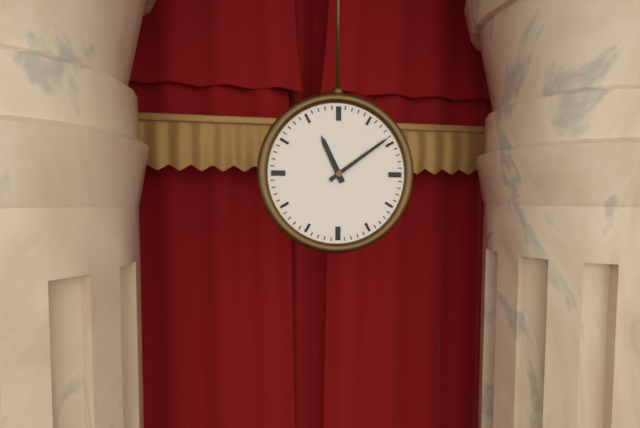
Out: **11:09**
